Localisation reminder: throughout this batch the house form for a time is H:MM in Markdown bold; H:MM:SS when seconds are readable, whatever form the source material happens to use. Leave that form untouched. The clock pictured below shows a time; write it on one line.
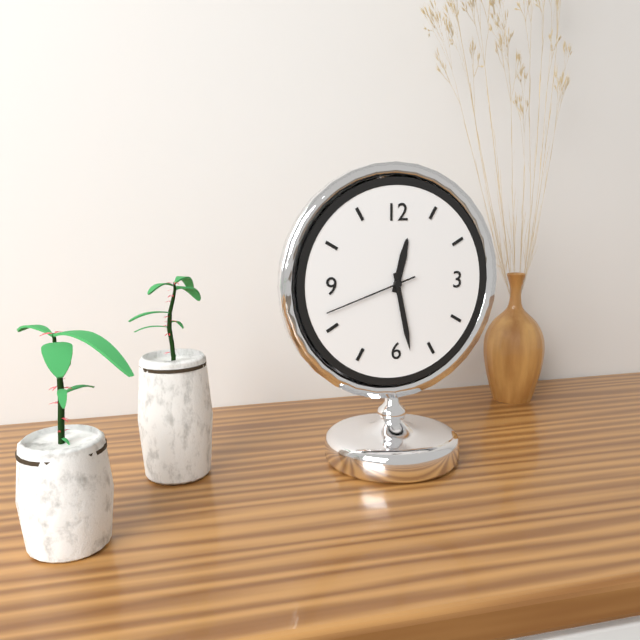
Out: **12:28:42**
